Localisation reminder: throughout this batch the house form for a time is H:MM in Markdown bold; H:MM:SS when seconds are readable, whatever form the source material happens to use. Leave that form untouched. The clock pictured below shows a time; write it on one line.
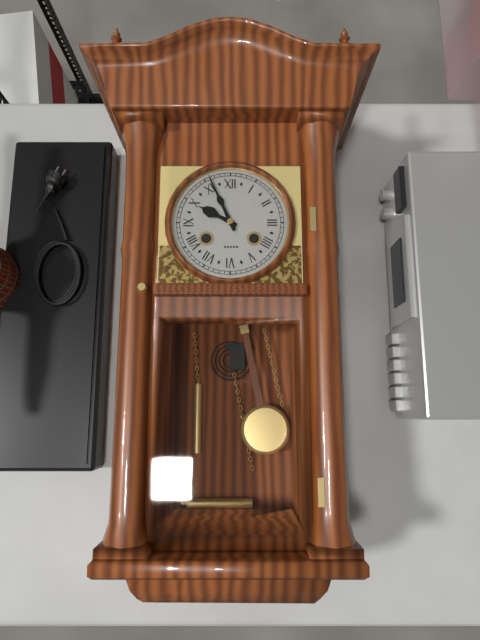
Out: **9:56**
